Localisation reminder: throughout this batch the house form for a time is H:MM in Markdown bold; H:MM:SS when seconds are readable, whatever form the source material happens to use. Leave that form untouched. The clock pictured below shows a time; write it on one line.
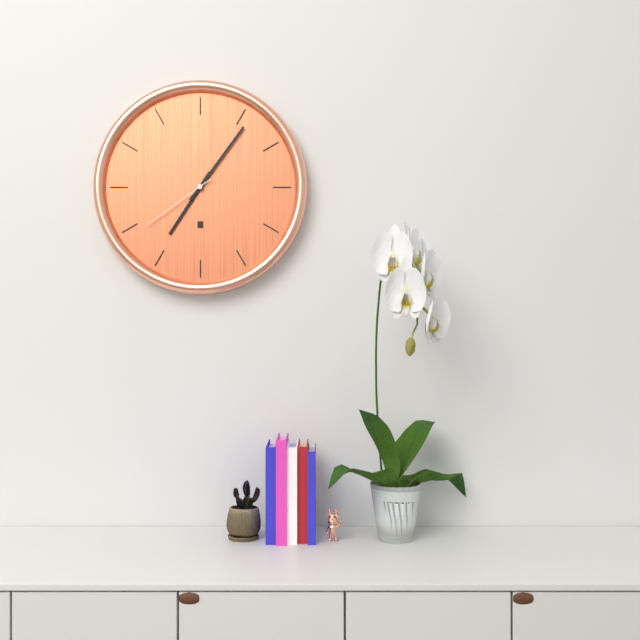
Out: **7:06:39**
